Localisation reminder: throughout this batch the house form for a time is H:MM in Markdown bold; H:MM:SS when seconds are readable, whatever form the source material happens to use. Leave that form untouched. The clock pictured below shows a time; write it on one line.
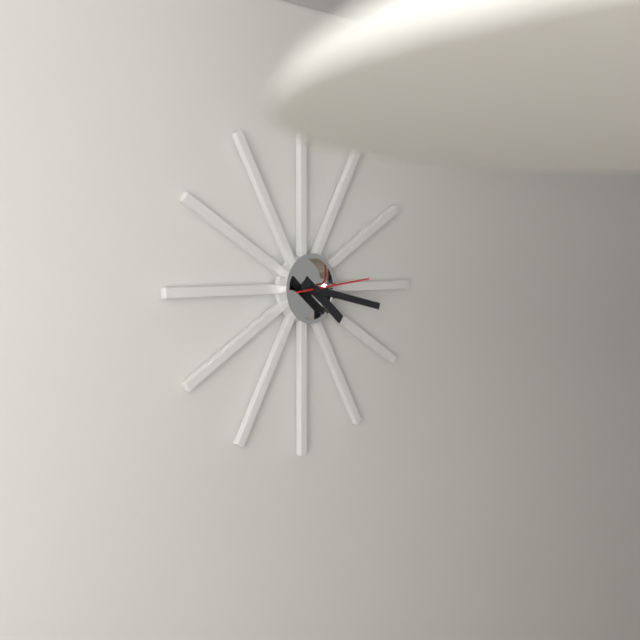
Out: **4:17:14**
